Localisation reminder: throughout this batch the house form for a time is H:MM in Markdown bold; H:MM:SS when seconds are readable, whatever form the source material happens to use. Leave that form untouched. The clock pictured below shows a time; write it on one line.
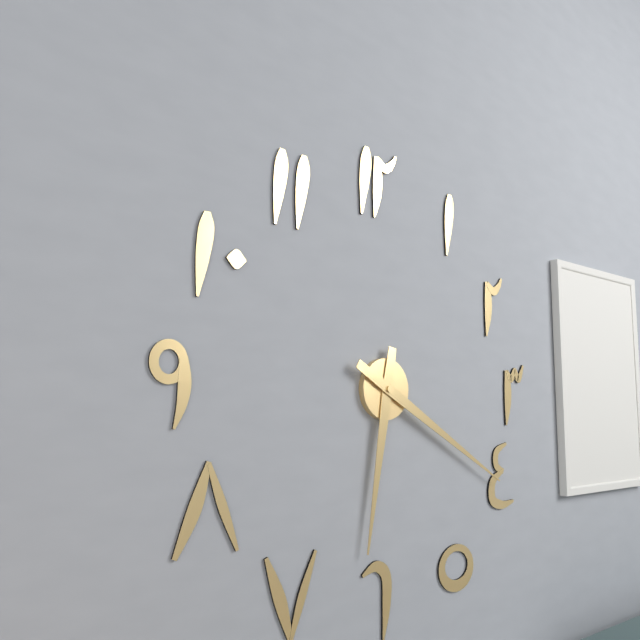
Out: **6:20**
